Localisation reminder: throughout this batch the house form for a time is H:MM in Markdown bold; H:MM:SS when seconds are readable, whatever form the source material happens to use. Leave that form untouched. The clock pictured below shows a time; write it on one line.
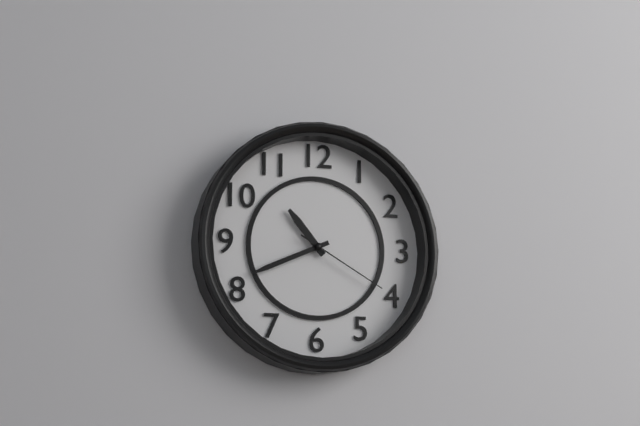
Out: **10:41:20**
